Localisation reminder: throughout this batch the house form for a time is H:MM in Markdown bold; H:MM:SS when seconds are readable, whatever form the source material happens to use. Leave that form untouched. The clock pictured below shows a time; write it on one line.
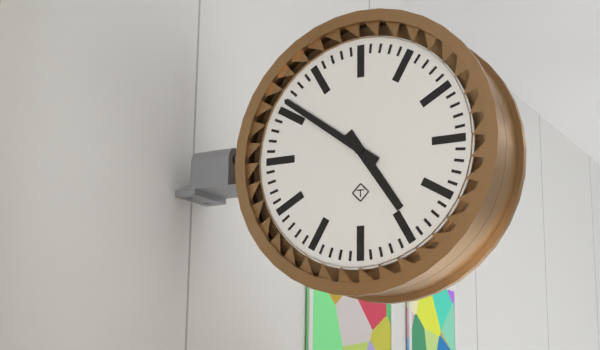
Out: **4:51**
